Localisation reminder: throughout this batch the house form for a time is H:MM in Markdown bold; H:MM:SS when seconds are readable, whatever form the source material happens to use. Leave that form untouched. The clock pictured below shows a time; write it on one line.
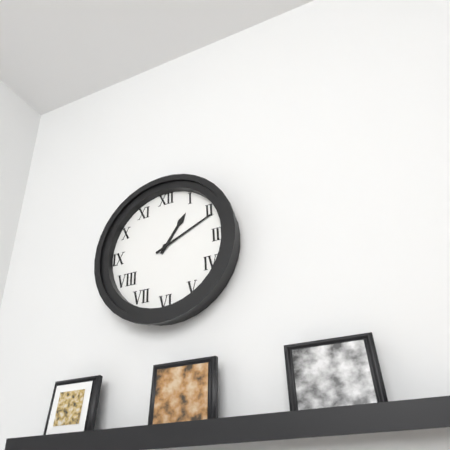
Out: **1:11**
